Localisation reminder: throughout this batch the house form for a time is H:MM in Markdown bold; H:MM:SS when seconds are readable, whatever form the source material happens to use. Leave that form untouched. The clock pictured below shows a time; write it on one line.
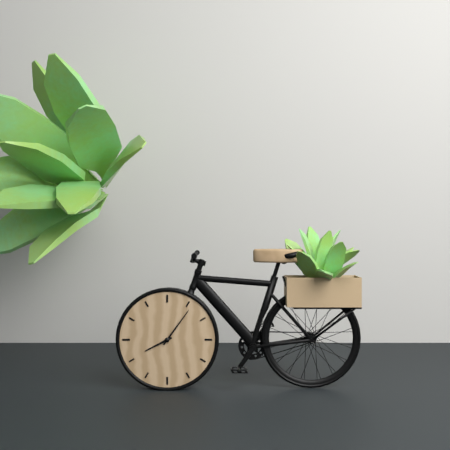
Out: **8:06**
